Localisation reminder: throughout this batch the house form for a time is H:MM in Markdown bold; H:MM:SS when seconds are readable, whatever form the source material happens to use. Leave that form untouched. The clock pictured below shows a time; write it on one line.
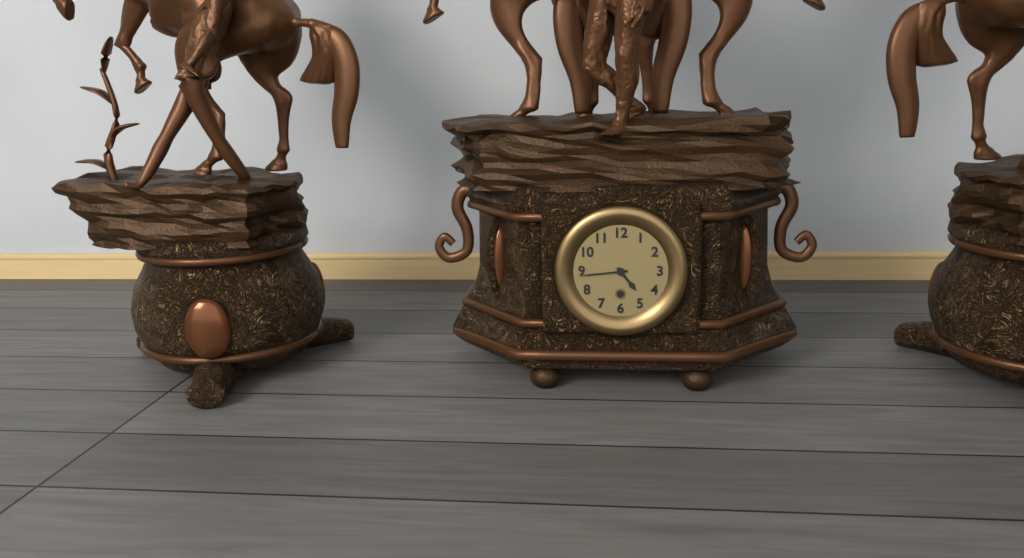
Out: **4:44**
